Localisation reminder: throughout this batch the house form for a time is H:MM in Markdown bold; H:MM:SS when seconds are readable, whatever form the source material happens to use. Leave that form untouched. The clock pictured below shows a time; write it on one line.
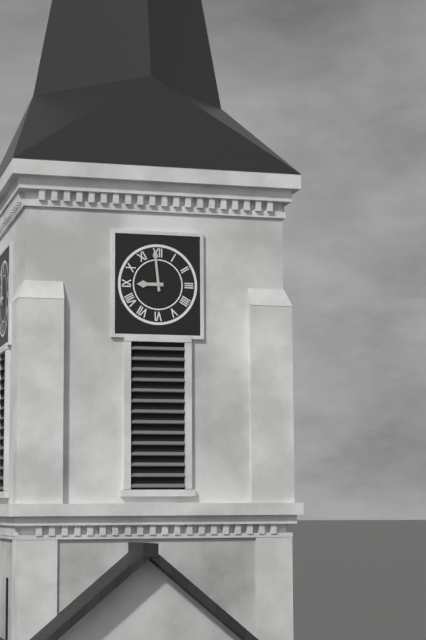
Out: **8:59**
